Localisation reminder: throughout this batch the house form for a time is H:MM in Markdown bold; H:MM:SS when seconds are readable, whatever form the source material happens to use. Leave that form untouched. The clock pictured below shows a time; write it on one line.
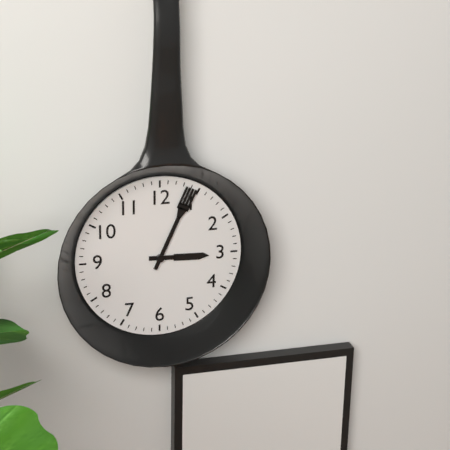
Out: **3:04**
